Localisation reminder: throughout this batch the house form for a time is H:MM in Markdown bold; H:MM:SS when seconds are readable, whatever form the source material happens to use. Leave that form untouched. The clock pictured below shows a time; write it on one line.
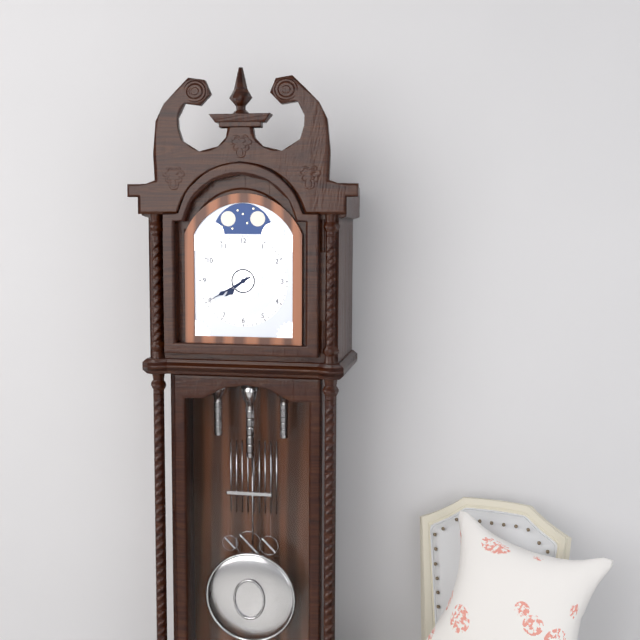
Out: **7:40**
